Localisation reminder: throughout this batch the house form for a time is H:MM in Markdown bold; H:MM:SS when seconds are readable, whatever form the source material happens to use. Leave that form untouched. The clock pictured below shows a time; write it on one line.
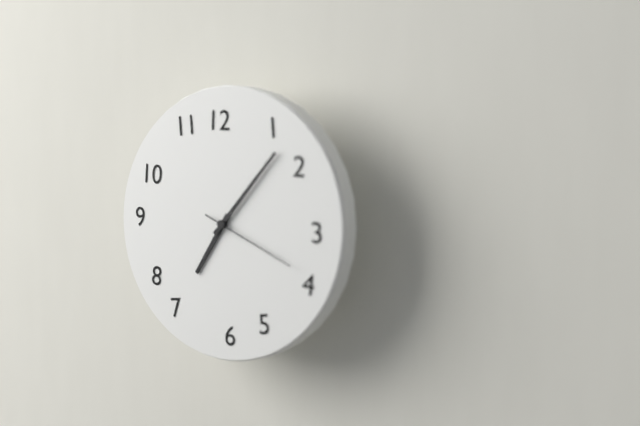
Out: **7:07:19**
